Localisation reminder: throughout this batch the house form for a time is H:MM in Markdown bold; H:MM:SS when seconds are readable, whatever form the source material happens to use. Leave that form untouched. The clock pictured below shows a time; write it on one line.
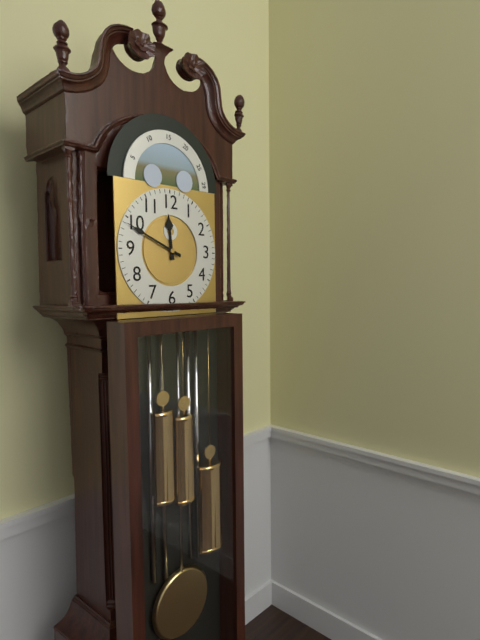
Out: **11:49**
